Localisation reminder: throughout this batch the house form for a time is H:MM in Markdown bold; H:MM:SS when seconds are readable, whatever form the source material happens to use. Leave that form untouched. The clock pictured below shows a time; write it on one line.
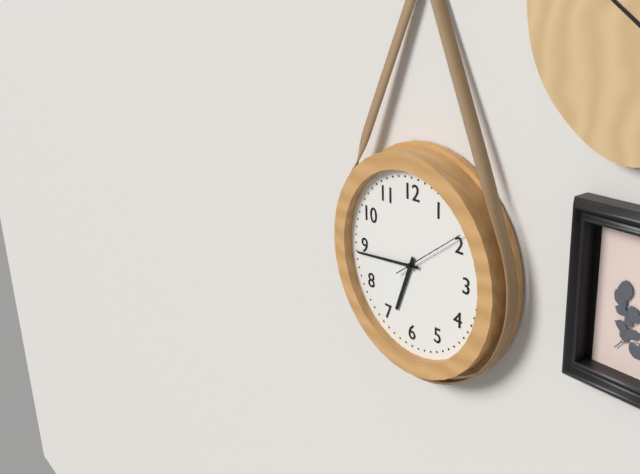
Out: **6:44:09**
